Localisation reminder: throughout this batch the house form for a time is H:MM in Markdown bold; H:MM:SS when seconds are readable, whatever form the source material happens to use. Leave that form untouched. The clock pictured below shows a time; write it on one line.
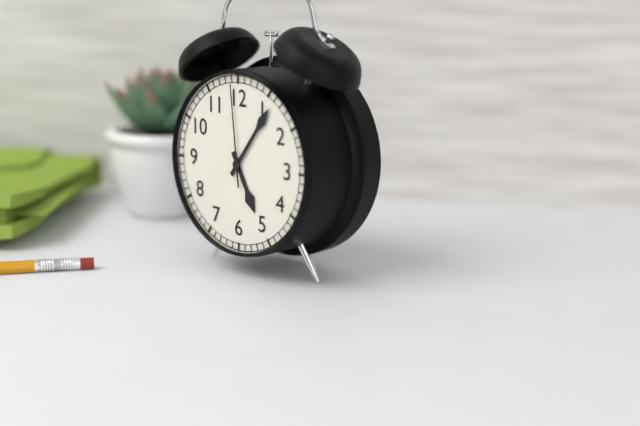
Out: **5:06:59**
